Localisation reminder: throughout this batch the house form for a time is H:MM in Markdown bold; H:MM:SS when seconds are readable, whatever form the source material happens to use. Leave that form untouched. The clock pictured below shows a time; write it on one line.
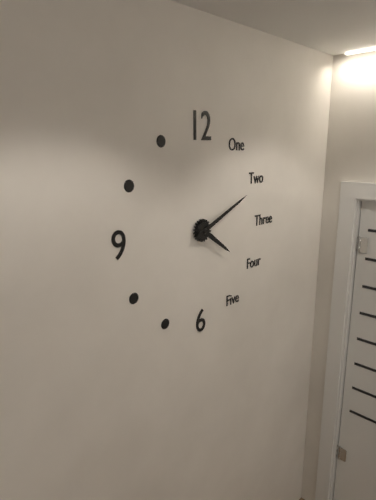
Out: **4:11**
